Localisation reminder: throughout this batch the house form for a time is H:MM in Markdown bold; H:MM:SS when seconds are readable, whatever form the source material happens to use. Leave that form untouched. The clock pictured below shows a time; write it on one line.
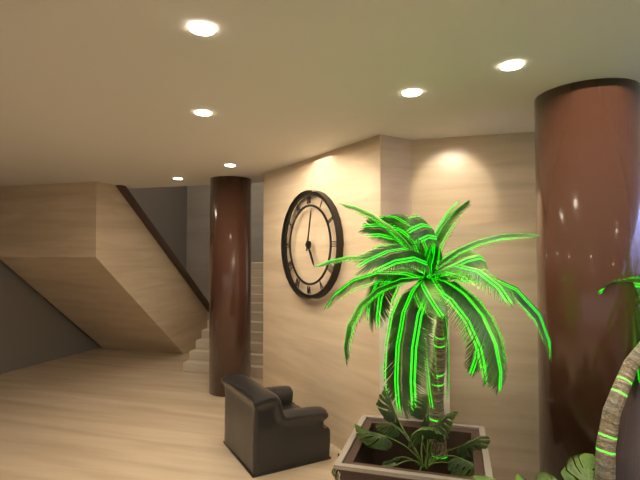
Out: **5:02**
